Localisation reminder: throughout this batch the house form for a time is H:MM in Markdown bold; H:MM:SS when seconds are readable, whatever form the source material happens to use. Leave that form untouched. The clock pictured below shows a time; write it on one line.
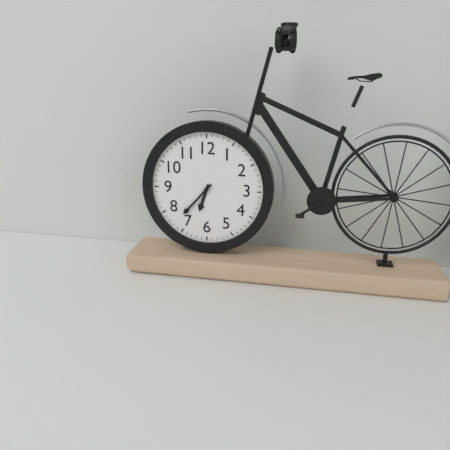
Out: **6:37**
